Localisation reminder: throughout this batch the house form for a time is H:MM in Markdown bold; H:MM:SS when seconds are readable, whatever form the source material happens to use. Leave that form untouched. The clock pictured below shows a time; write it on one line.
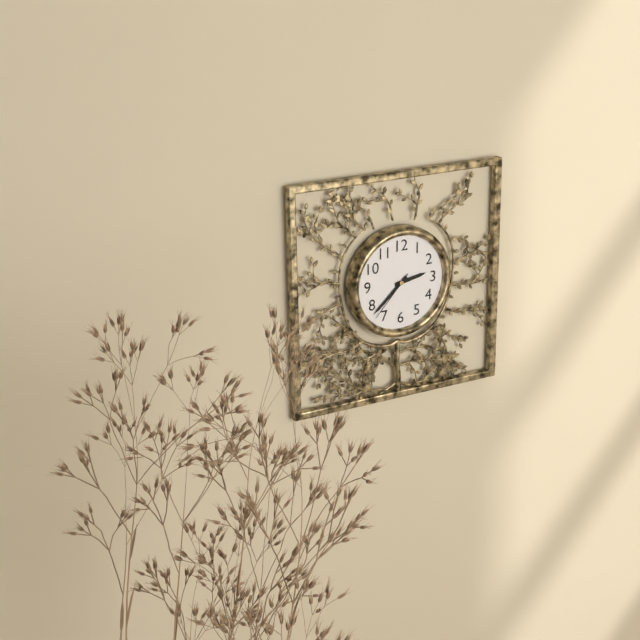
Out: **2:38:37**
